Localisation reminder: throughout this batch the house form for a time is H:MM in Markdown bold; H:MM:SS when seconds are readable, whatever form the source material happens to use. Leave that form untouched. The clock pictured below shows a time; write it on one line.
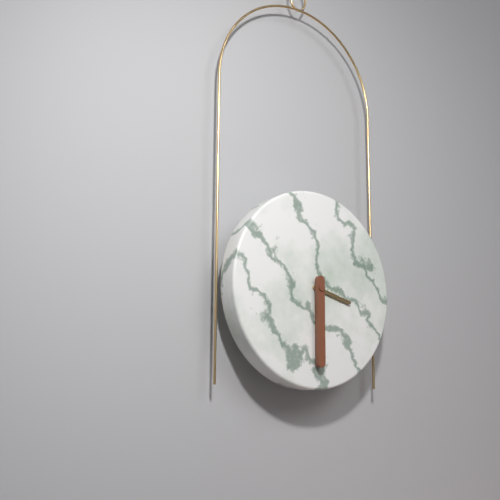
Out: **3:30**
